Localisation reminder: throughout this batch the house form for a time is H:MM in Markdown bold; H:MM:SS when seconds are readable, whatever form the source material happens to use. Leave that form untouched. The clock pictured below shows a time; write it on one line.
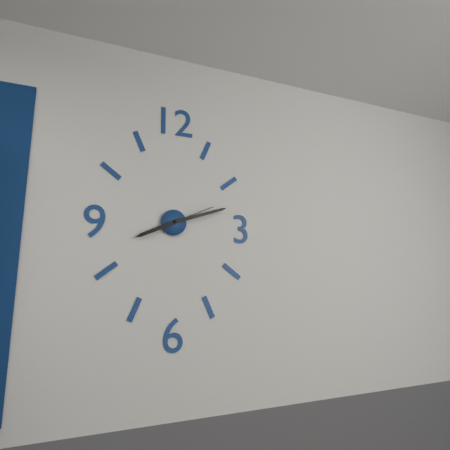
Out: **8:12:11**
